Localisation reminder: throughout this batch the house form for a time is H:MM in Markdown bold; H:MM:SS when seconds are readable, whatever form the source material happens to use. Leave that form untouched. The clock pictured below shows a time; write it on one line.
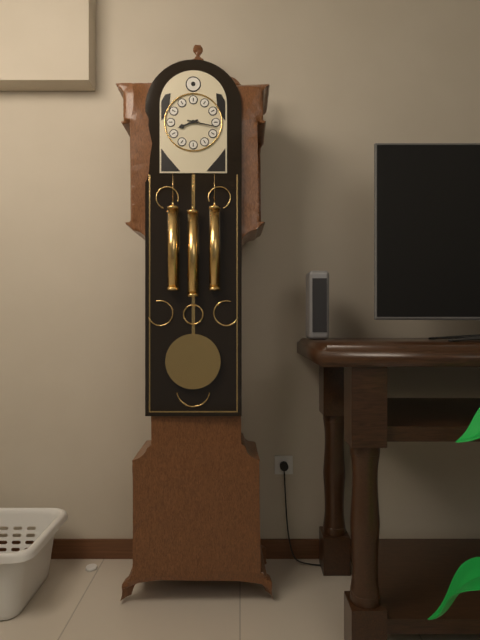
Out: **8:17**
